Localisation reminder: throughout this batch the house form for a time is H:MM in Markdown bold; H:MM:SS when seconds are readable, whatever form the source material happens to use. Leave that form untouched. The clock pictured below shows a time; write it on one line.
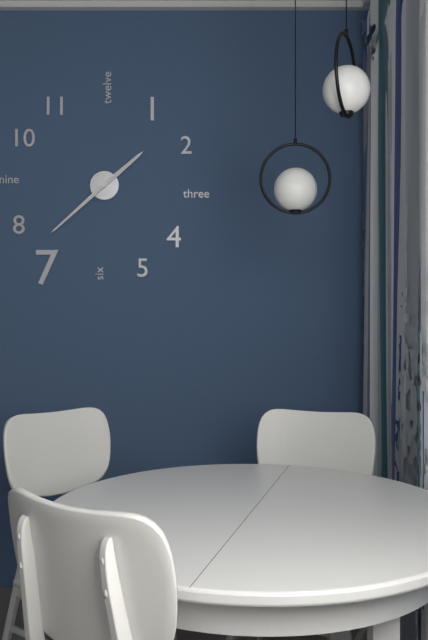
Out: **1:38**
